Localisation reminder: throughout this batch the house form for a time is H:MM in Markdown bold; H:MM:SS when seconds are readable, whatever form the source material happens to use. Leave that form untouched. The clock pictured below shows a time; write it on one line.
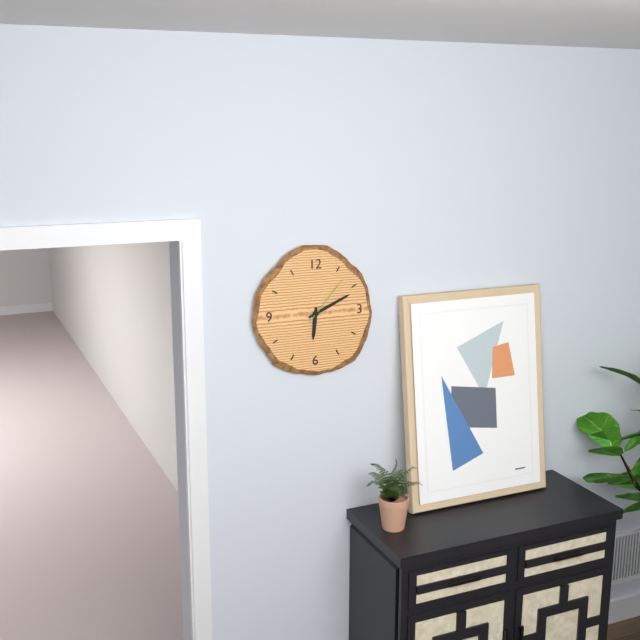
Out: **6:11:07**
